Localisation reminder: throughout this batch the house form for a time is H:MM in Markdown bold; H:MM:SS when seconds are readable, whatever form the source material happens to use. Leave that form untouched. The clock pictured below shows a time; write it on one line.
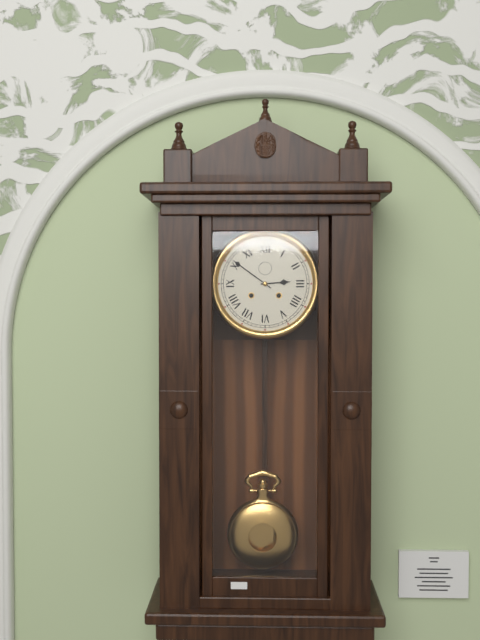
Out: **2:51**
